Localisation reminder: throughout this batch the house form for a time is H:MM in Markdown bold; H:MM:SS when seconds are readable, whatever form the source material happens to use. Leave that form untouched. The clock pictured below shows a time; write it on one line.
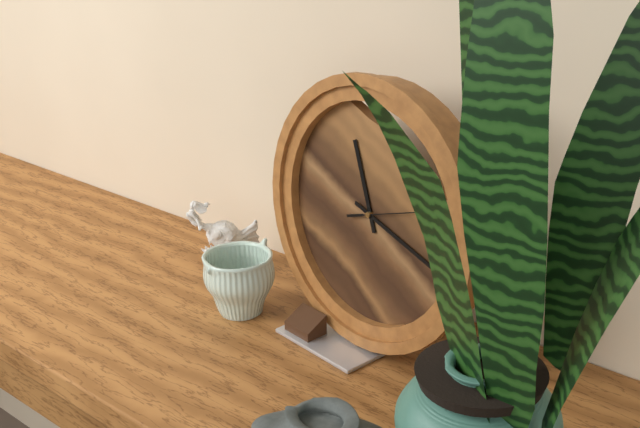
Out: **11:18:12**
